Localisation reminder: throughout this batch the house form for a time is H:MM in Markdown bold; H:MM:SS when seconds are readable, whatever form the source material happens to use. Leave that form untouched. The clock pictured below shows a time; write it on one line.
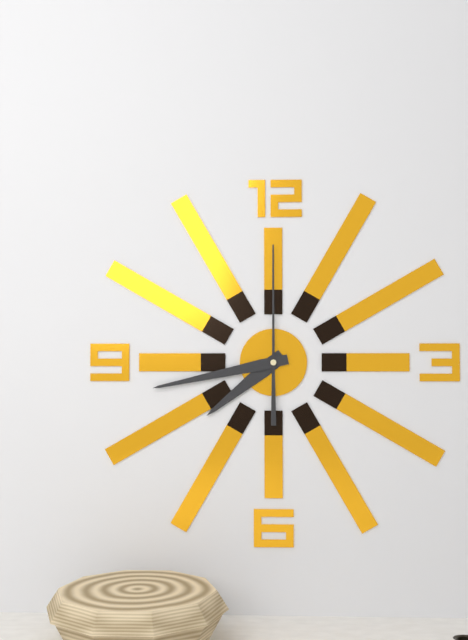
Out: **7:43:00**
